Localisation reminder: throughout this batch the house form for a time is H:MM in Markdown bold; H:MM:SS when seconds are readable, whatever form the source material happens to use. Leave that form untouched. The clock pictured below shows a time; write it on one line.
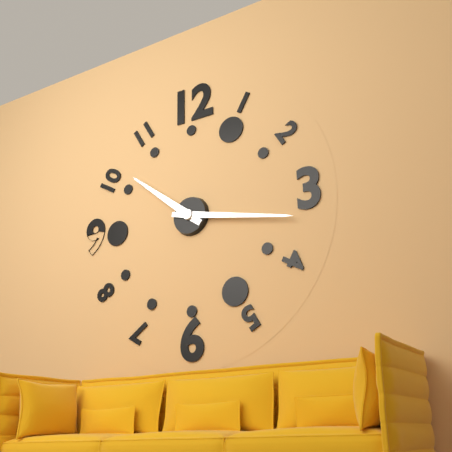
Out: **10:17**
